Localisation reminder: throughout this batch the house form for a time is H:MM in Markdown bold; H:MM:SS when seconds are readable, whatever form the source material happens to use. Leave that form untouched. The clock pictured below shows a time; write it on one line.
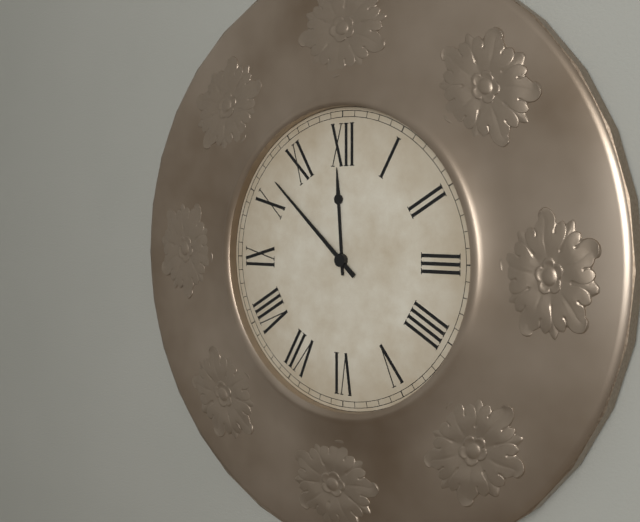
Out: **11:52**
